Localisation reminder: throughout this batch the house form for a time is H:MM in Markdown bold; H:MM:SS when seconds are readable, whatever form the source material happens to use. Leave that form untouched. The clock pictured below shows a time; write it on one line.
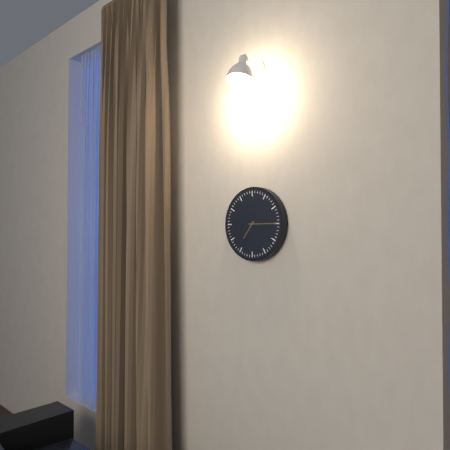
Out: **7:15**
